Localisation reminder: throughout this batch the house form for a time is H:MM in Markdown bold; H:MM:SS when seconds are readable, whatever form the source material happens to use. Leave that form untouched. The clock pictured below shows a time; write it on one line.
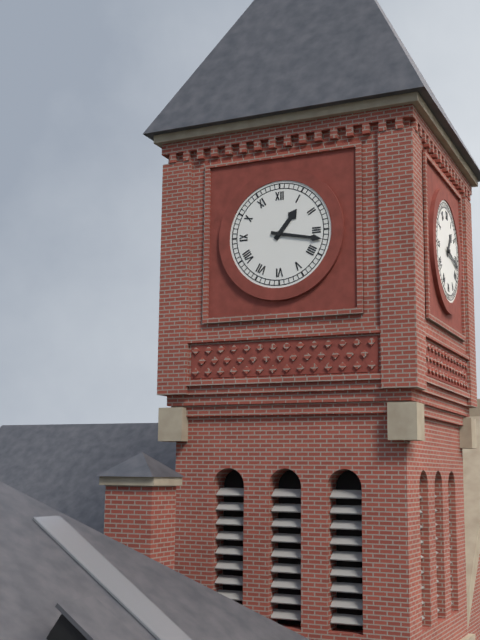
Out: **1:17**
